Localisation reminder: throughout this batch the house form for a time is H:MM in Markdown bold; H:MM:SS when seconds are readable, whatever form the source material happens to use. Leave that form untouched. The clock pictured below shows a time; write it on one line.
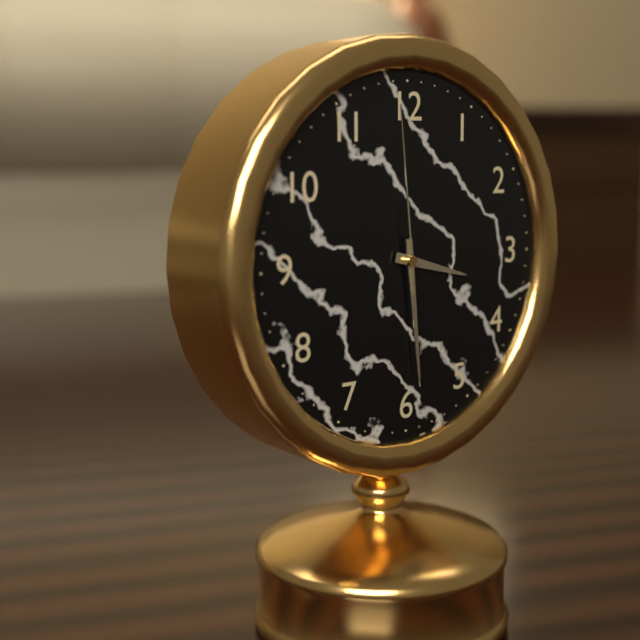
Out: **3:29:59**
